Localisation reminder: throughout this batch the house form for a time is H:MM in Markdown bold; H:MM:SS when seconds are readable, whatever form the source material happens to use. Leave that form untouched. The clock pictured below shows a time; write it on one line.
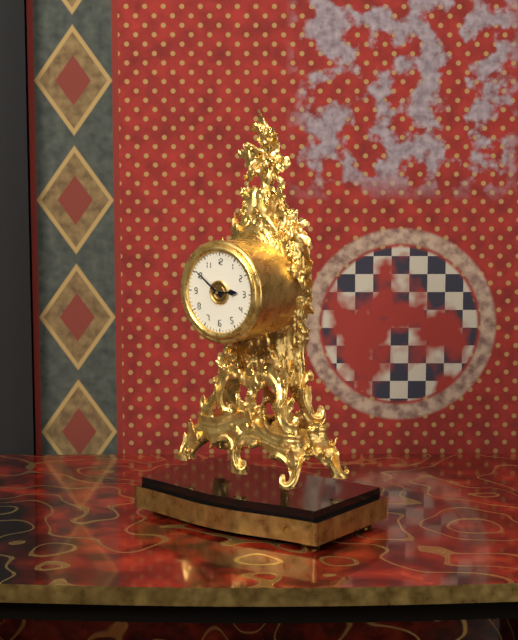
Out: **2:51**
